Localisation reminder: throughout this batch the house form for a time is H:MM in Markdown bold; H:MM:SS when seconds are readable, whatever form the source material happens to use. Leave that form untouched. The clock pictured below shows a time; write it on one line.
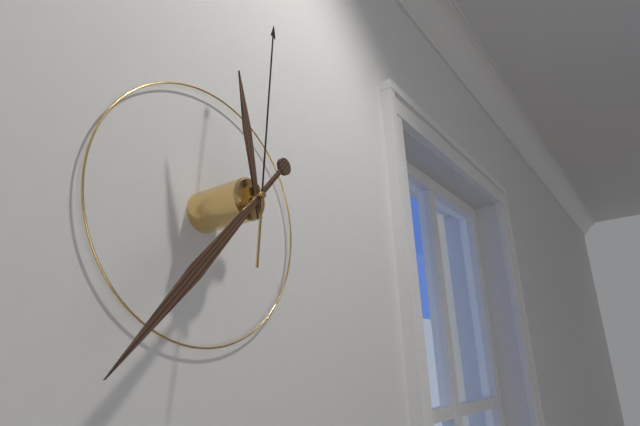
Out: **11:37:01**
